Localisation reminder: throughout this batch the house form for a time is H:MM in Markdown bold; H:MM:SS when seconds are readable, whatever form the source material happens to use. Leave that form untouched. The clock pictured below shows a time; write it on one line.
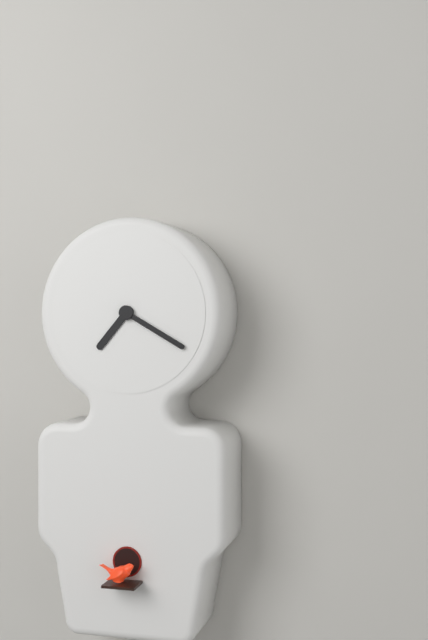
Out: **7:20**
